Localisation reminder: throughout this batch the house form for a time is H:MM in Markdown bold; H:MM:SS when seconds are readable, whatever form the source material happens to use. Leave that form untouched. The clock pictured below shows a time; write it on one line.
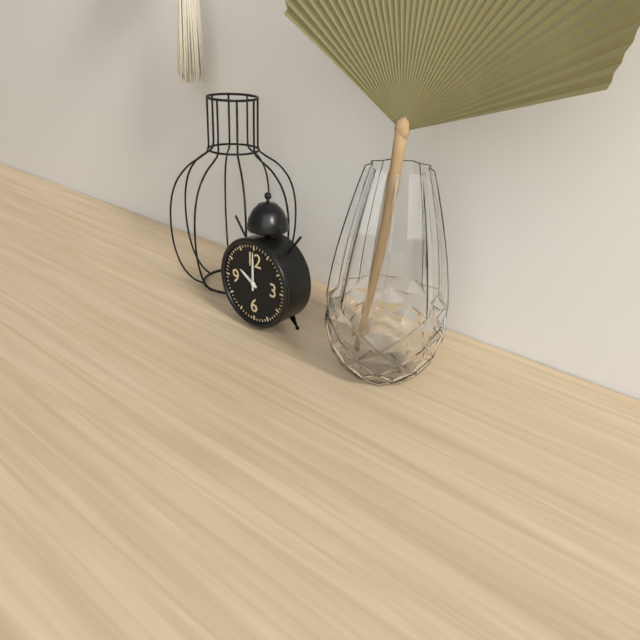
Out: **10:00**
